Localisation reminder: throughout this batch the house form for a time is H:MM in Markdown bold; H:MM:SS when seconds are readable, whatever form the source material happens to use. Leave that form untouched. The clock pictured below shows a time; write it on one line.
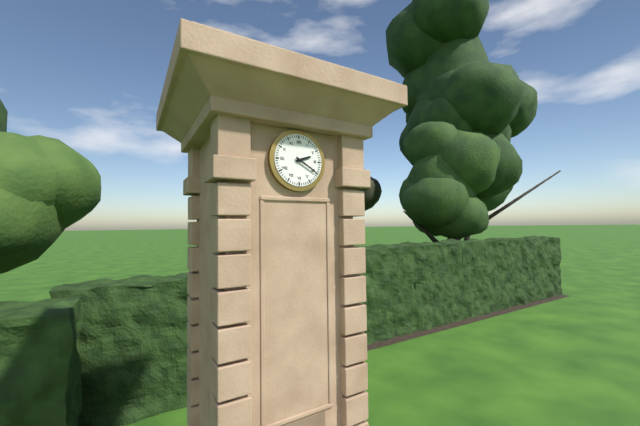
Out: **2:20**
